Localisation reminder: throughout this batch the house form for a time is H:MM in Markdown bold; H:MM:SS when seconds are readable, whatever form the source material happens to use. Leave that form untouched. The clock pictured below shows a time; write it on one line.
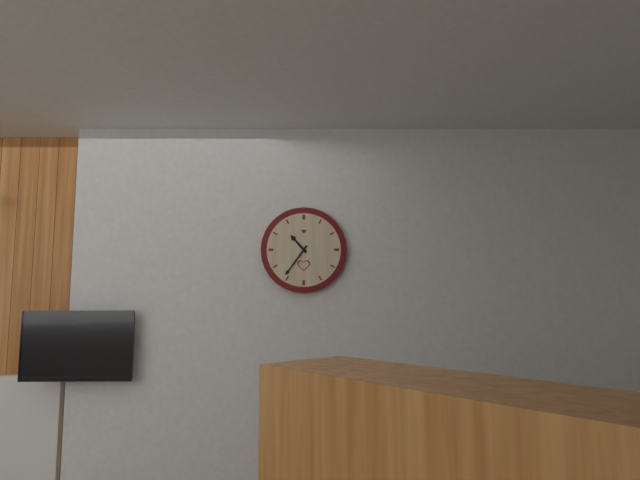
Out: **10:36**
